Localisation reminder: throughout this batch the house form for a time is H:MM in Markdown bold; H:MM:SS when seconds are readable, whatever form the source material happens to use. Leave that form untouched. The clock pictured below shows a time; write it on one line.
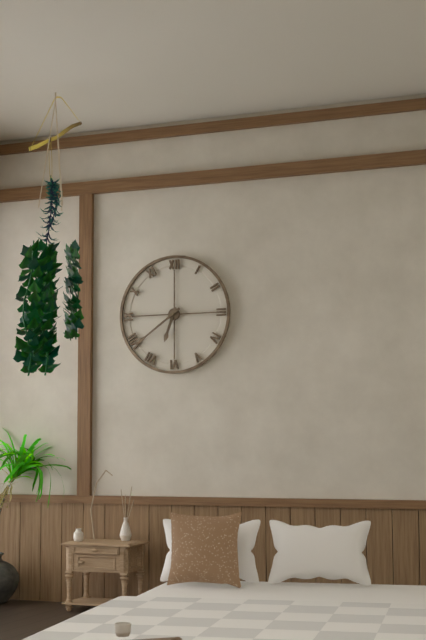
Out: **6:39**
